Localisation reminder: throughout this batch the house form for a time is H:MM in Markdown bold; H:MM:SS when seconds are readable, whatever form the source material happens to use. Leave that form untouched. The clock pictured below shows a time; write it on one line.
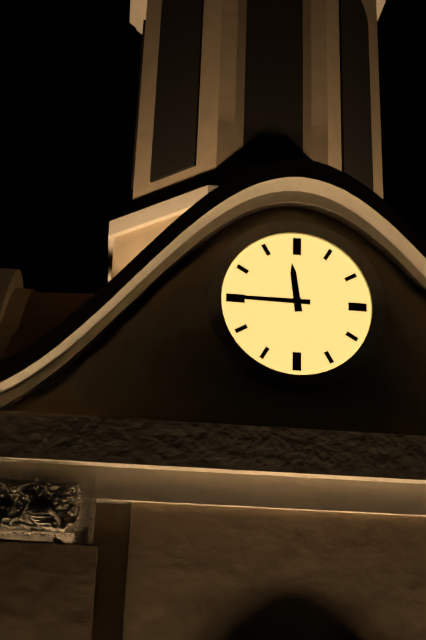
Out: **11:45**
